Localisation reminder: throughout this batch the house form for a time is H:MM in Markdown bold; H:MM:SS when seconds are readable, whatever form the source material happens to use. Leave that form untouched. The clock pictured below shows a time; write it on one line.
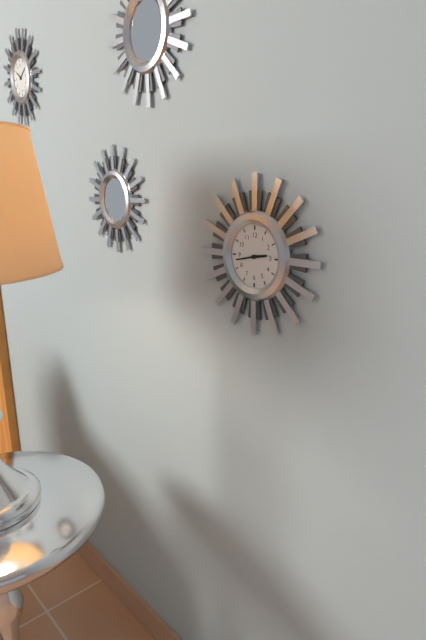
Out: **2:43**
